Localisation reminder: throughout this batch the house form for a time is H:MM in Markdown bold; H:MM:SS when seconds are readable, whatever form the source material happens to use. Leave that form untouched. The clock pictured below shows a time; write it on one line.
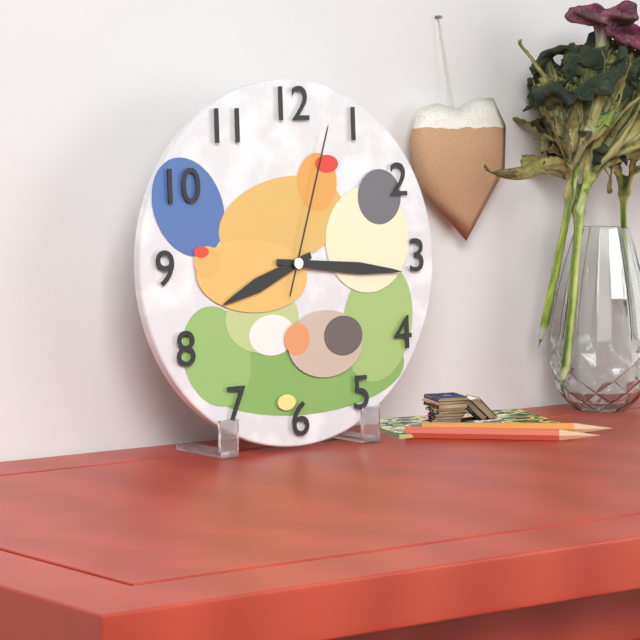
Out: **8:16:03**
